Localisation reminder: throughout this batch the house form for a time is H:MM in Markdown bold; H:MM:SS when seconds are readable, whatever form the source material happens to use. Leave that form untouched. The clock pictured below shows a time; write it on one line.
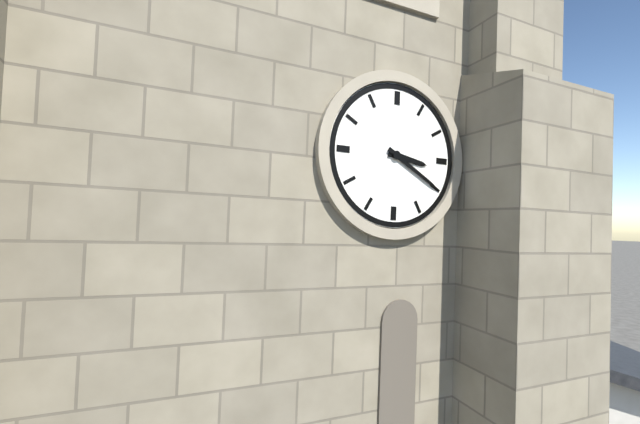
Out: **3:20**
